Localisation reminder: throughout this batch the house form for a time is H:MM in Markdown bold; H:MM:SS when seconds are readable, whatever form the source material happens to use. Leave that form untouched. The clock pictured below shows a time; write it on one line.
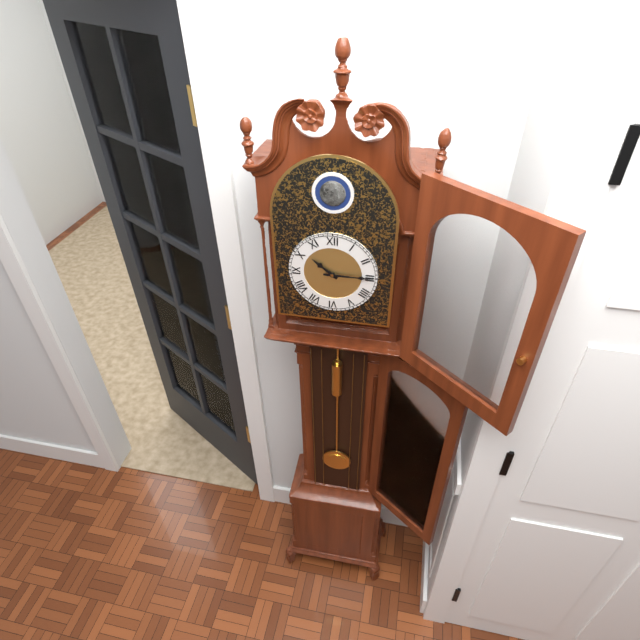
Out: **10:15**
